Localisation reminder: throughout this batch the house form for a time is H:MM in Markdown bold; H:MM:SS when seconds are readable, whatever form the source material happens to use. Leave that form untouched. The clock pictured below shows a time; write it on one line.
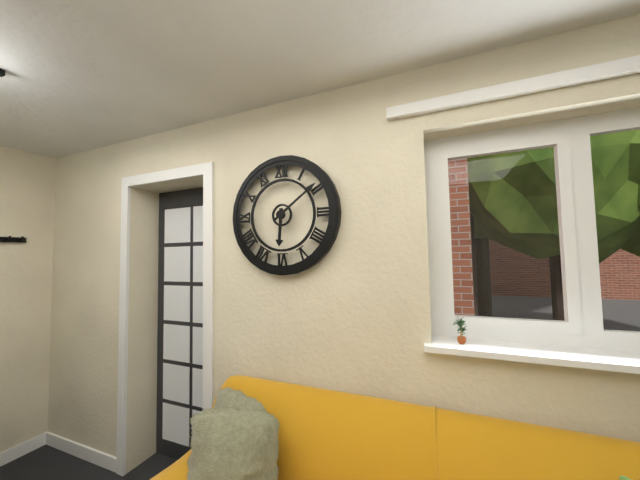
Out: **6:09**
